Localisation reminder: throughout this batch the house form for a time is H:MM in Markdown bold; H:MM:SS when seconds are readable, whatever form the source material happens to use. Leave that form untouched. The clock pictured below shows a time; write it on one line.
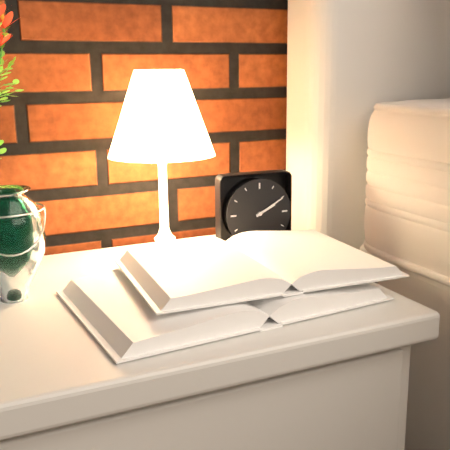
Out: **2:10**
